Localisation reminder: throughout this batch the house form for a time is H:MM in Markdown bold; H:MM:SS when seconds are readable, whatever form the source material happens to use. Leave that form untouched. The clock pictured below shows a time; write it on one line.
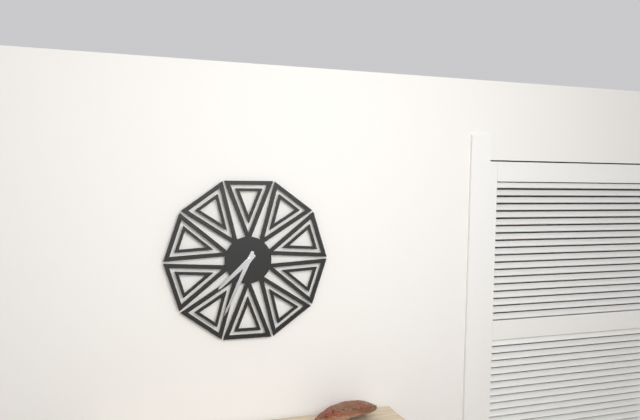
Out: **7:34**
